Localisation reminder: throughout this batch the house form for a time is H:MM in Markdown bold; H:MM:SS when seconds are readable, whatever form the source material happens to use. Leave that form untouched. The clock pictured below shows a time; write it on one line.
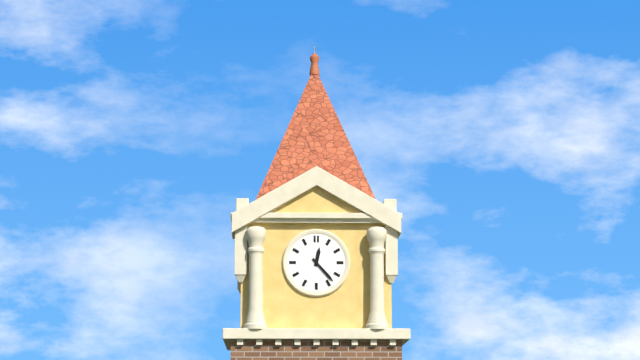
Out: **12:23**
